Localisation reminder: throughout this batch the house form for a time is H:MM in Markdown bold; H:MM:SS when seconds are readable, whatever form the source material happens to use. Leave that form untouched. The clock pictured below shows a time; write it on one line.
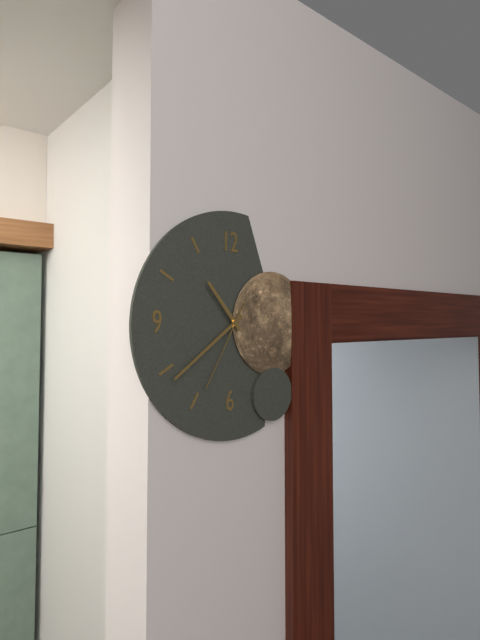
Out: **10:39:35**
